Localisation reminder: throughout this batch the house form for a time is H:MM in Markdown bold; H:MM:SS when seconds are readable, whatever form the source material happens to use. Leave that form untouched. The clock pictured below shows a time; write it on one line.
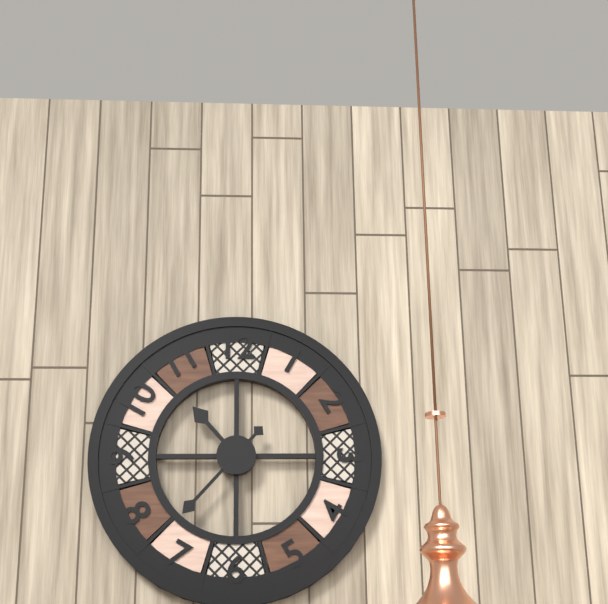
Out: **10:37**
